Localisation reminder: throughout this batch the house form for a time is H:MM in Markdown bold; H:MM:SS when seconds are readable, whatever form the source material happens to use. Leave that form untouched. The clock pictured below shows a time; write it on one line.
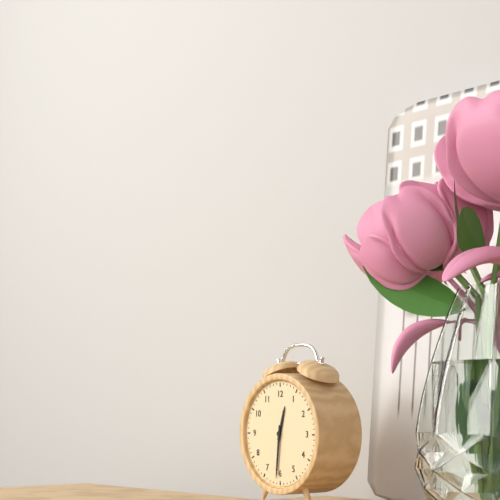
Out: **12:31**
